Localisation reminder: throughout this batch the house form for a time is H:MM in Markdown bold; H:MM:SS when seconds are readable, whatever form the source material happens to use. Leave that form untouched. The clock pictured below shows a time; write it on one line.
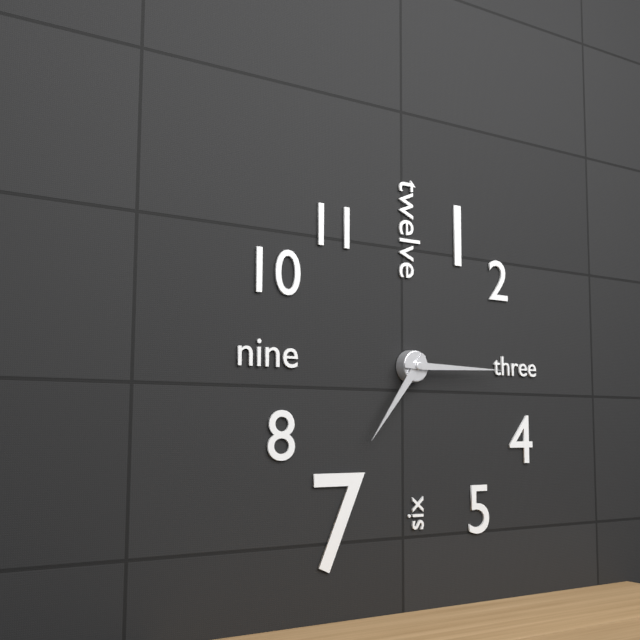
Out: **7:15**
